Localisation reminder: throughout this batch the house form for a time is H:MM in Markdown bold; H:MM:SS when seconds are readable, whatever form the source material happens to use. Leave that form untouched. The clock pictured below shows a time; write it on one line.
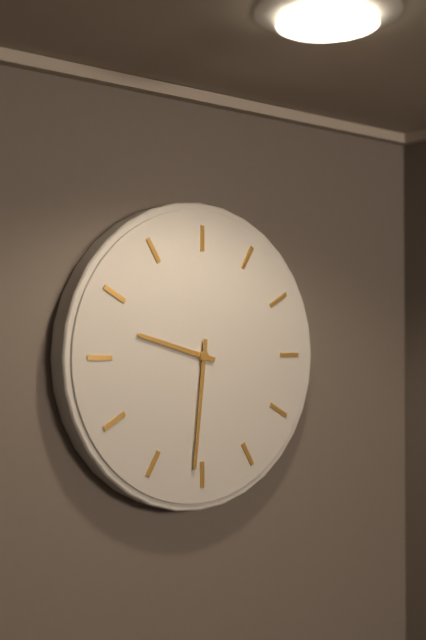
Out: **9:31**
